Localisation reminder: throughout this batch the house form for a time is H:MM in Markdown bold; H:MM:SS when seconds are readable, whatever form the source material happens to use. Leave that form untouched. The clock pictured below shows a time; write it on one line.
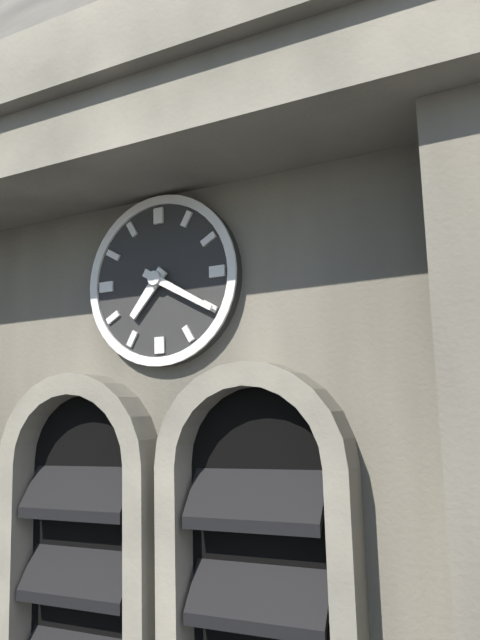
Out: **7:20**
